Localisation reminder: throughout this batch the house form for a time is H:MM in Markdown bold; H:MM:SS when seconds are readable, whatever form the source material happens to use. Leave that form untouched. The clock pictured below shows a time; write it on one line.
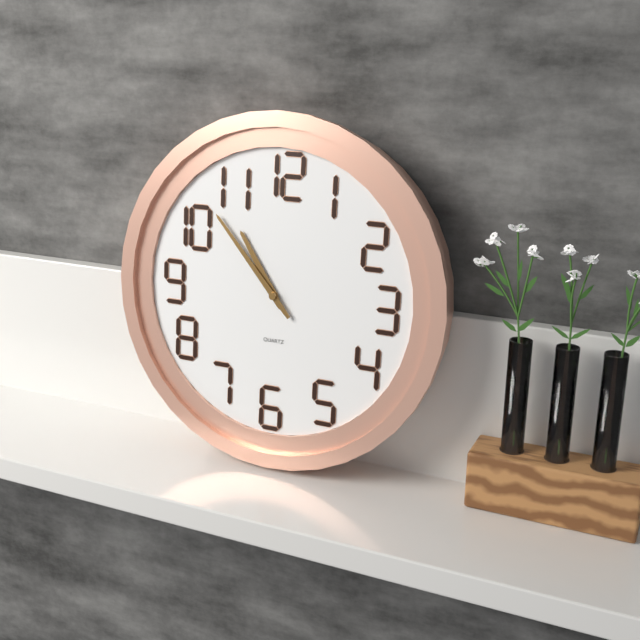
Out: **10:53**
